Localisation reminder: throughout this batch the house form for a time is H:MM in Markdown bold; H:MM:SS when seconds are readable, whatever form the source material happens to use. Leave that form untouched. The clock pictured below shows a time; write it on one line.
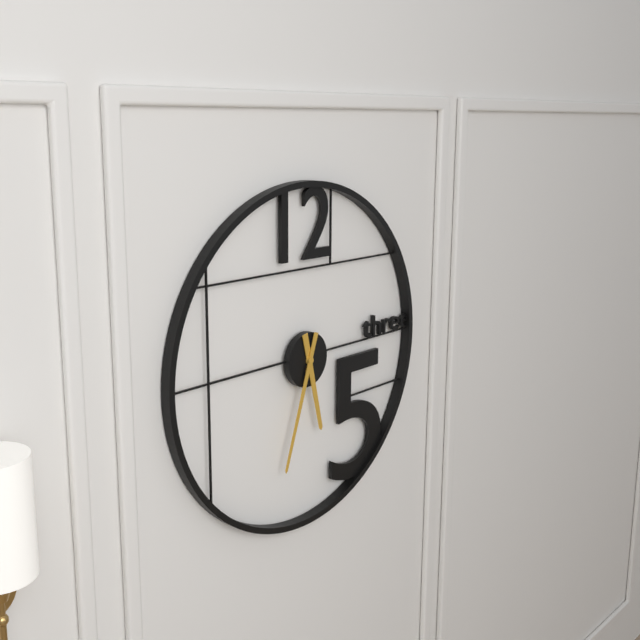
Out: **5:33**
